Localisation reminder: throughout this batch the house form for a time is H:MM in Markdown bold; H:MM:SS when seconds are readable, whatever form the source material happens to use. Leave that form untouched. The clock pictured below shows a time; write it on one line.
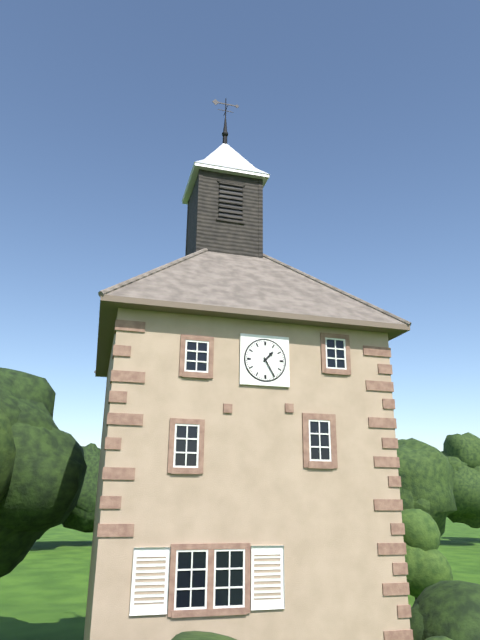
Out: **1:25**
